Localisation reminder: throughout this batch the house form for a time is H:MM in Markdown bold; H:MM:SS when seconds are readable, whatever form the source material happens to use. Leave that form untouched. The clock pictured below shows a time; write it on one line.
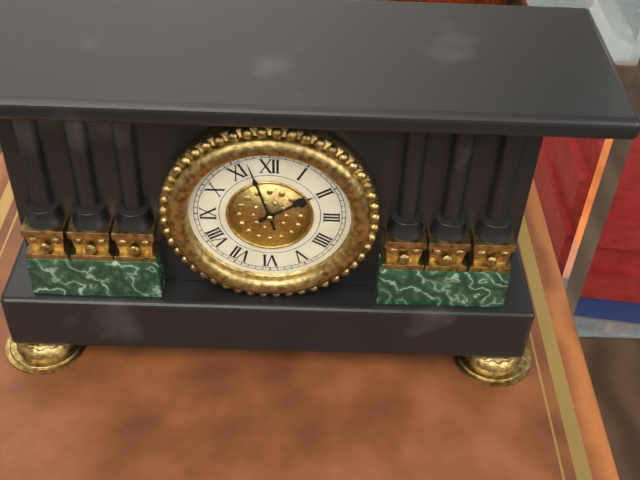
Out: **1:57**
